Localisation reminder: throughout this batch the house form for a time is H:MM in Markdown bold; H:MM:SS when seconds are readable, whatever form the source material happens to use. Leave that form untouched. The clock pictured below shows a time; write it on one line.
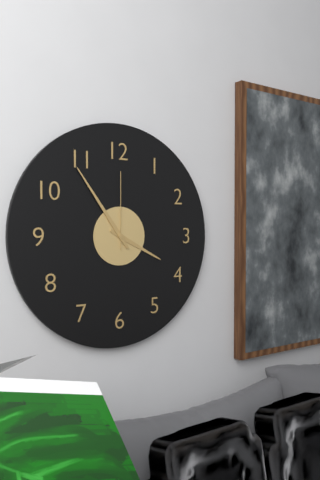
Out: **3:54:00**
